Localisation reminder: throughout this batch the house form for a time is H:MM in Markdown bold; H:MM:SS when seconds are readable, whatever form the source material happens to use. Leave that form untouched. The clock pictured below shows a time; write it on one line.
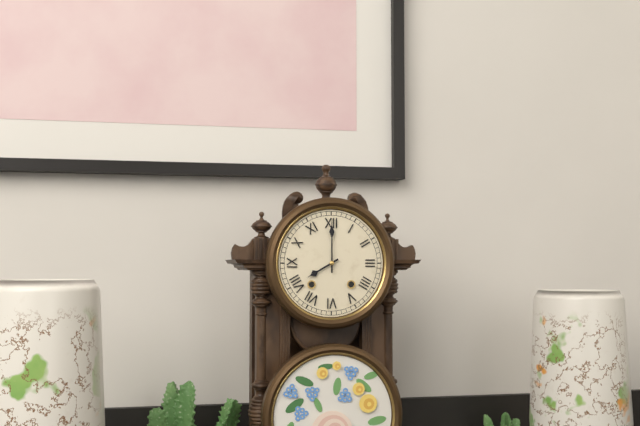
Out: **8:00**
